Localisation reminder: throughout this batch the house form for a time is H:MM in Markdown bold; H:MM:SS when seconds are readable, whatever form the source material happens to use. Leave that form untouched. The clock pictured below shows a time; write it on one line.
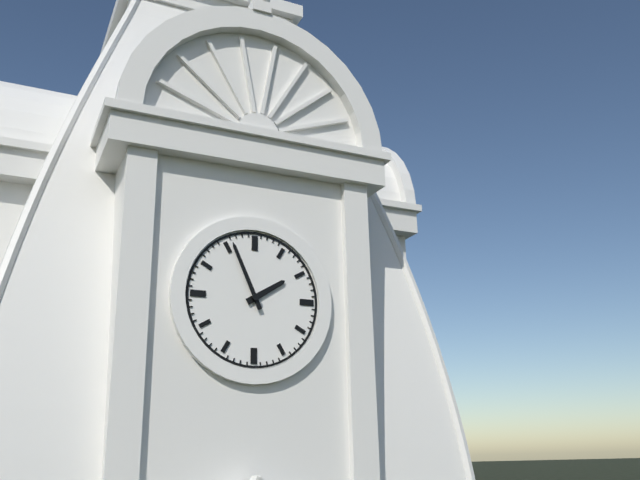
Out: **1:56**
